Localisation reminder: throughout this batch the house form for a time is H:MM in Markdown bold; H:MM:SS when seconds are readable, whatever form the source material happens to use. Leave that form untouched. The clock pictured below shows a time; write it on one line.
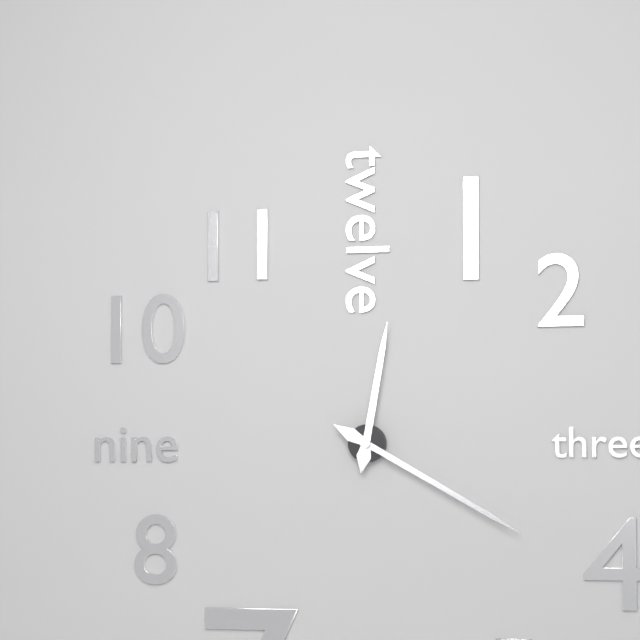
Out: **12:20**
